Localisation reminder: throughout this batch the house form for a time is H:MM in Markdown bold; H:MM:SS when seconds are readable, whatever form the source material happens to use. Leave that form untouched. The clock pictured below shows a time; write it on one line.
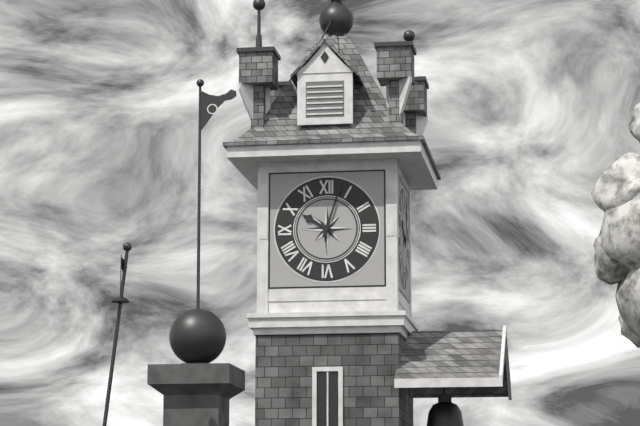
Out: **10:03**
